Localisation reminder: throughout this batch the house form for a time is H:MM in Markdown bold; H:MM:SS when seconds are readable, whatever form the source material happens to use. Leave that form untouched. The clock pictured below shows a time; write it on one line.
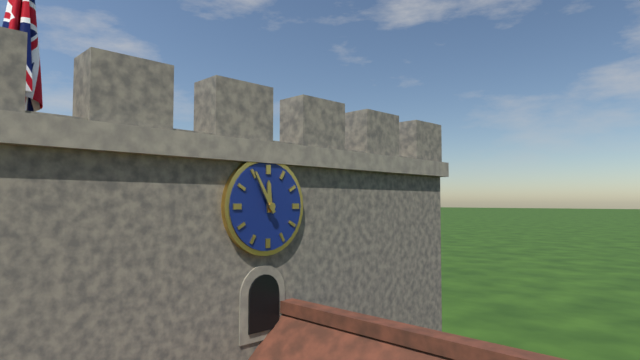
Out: **11:55**
